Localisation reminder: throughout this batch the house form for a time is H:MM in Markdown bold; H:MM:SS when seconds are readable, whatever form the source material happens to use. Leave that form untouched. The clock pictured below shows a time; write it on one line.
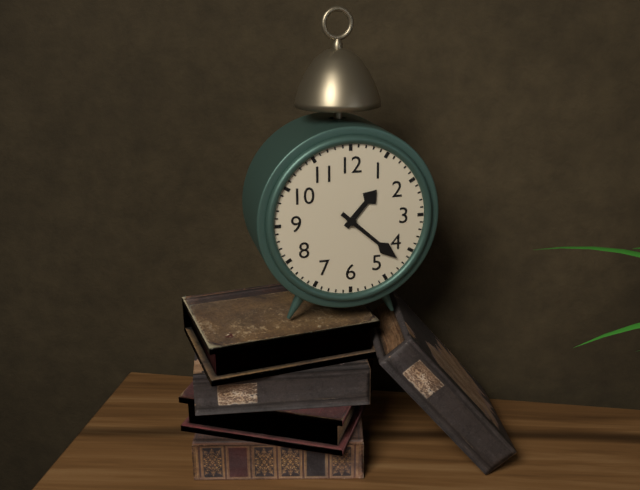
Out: **1:22**
